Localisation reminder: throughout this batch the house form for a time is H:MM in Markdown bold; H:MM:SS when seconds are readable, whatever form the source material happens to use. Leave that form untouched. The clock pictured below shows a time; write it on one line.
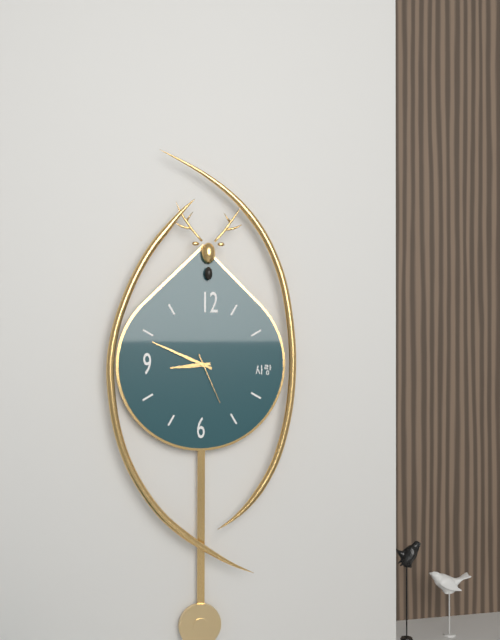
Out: **8:49:26**
